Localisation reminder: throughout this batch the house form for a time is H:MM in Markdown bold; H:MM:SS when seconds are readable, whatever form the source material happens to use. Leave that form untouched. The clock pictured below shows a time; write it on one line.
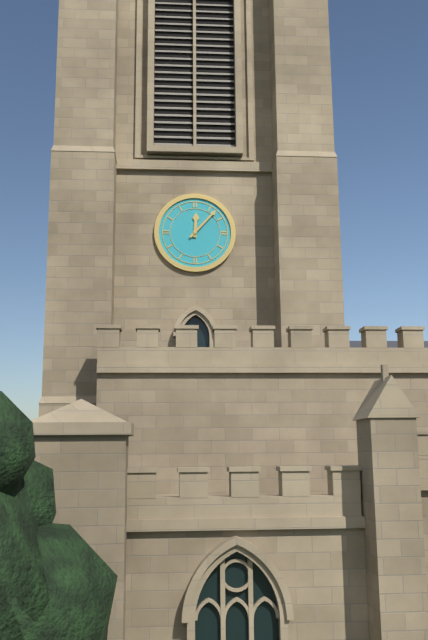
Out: **12:07**
